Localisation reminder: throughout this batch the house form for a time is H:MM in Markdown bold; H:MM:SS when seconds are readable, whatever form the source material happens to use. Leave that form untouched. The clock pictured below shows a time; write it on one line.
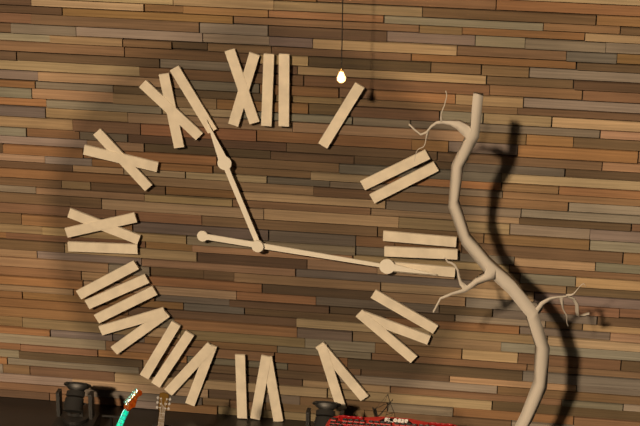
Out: **11:16**
